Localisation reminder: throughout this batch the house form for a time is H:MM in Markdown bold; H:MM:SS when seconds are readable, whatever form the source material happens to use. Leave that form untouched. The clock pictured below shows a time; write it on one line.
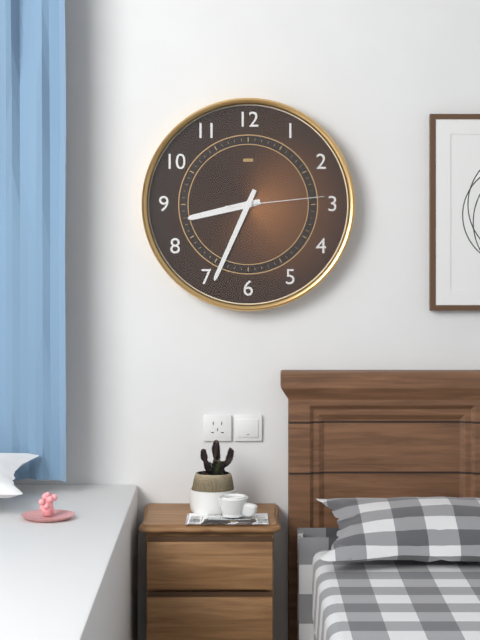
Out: **8:34:14**
